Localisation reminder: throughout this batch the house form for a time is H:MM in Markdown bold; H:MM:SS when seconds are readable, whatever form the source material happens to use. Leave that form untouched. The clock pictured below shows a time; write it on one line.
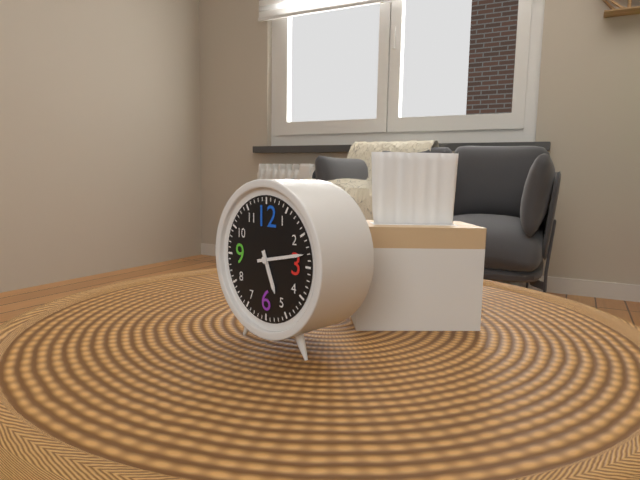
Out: **5:13**
